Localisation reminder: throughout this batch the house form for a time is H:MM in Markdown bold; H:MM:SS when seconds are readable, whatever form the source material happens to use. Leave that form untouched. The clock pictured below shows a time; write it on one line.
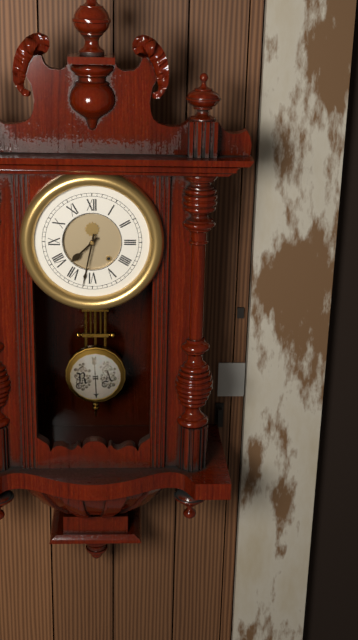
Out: **7:32**
